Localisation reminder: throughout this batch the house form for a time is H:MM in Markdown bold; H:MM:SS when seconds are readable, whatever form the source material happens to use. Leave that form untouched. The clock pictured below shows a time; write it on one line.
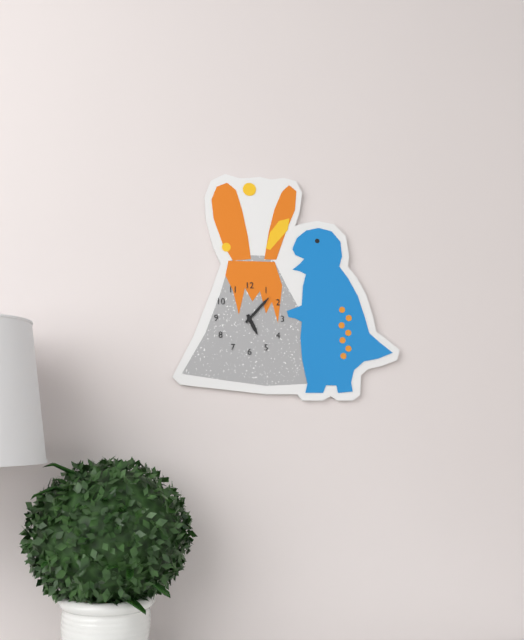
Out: **5:07**
